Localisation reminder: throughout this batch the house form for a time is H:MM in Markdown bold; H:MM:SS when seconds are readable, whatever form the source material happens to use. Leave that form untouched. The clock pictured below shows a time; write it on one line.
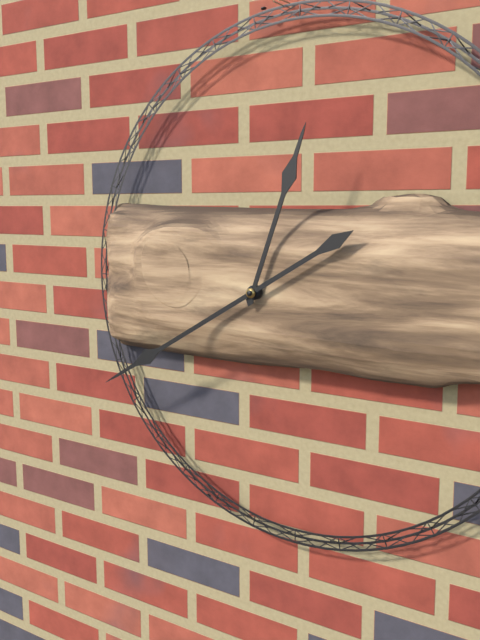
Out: **12:40**
